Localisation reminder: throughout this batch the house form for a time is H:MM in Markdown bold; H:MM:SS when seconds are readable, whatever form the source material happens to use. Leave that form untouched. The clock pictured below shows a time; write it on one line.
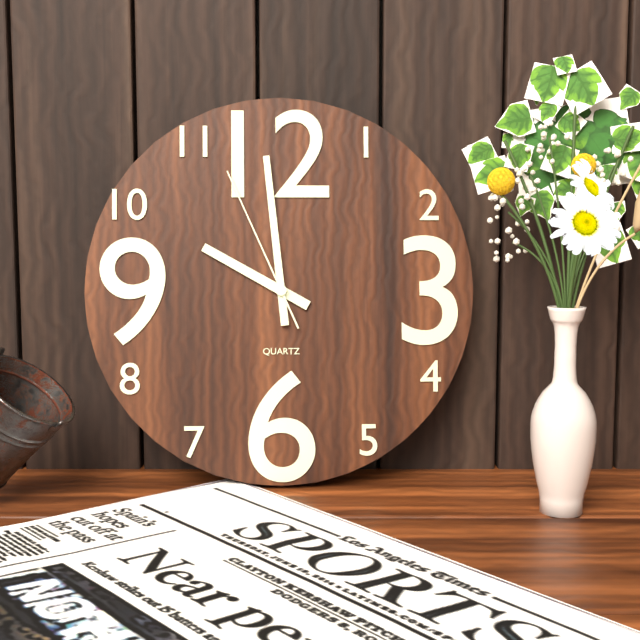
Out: **9:59:56**
